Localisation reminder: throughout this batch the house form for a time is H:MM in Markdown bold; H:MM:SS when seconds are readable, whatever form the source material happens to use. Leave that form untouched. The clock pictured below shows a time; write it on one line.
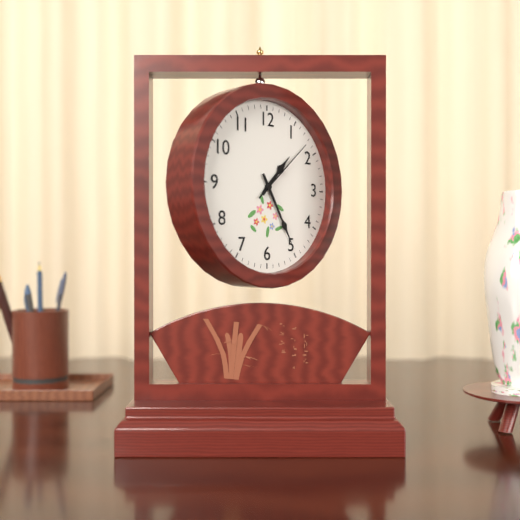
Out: **1:25:08**
